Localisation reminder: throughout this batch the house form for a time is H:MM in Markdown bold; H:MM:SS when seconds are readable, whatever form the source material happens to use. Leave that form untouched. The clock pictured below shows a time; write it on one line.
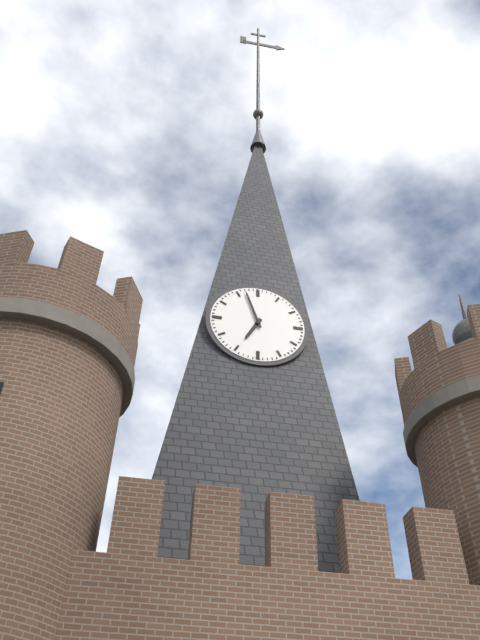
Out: **6:57**
